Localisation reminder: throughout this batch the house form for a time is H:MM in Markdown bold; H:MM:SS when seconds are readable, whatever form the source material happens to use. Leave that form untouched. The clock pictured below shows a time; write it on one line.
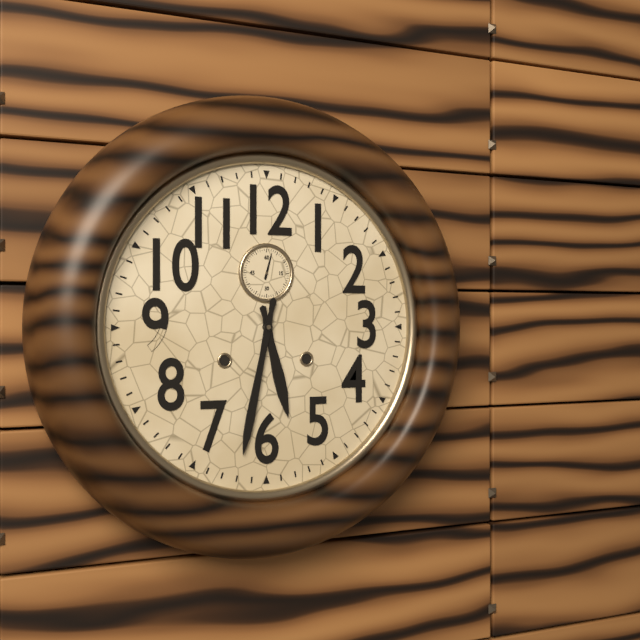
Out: **5:32**
